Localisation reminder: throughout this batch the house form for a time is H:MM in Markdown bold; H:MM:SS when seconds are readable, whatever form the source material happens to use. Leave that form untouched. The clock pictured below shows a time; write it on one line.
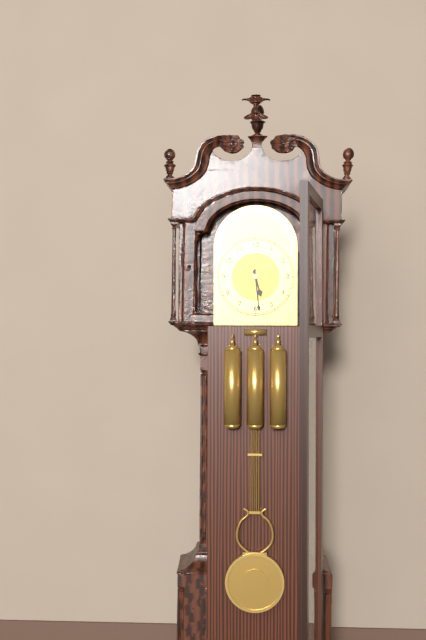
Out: **5:29**
